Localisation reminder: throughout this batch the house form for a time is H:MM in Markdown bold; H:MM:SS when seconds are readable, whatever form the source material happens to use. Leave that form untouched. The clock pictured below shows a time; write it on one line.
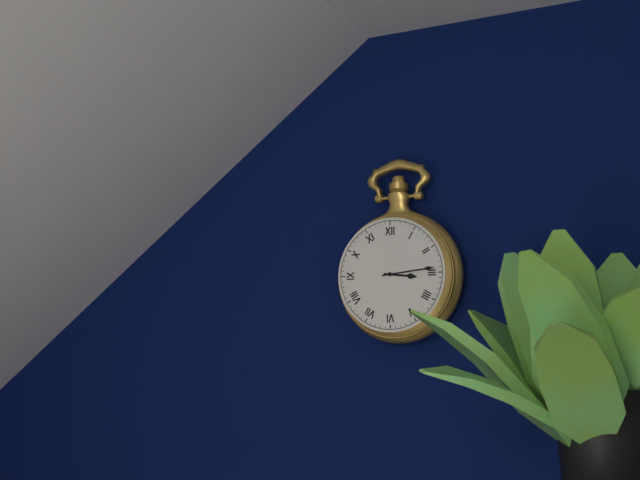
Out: **3:14**
